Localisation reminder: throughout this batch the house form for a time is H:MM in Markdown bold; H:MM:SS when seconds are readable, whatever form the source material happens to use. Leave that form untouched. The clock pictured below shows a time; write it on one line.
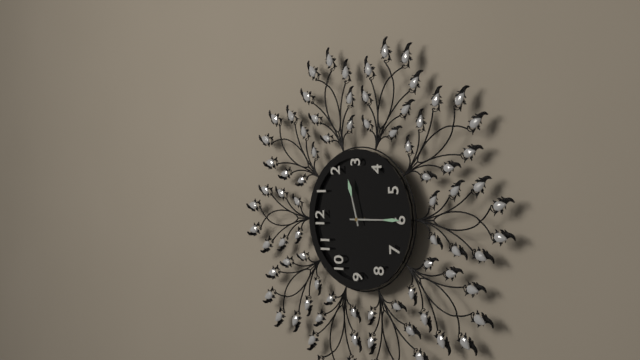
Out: **2:30**
